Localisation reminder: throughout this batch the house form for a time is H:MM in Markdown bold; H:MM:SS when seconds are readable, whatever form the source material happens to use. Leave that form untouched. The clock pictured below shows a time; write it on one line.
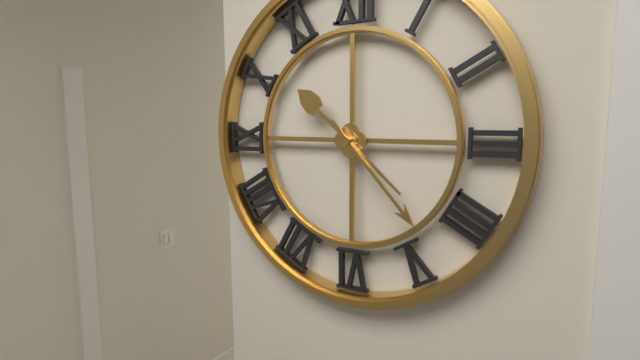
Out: **10:23**
